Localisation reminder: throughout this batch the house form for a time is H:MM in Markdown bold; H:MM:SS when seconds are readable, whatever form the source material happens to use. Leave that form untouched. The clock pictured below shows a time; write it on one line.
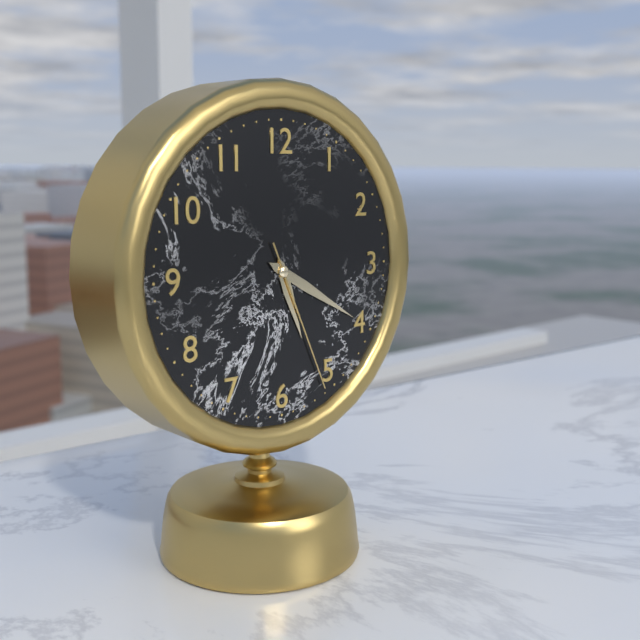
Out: **5:20:26**
